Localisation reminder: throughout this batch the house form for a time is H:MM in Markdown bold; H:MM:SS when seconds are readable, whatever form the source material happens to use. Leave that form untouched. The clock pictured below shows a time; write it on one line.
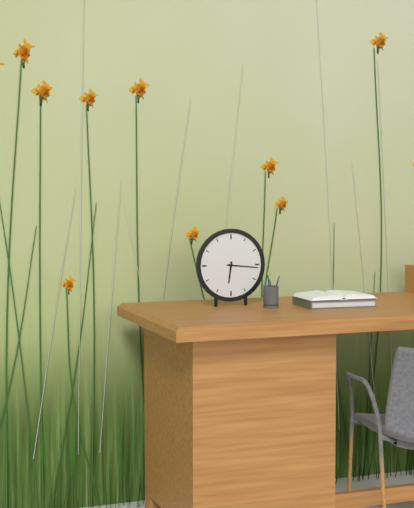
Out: **6:16**
